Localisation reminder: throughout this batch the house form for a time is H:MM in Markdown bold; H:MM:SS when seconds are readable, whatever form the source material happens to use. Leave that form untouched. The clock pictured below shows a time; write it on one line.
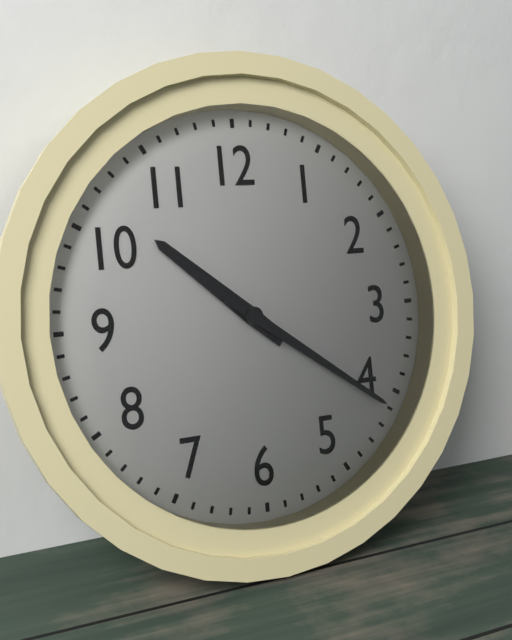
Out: **10:21**
